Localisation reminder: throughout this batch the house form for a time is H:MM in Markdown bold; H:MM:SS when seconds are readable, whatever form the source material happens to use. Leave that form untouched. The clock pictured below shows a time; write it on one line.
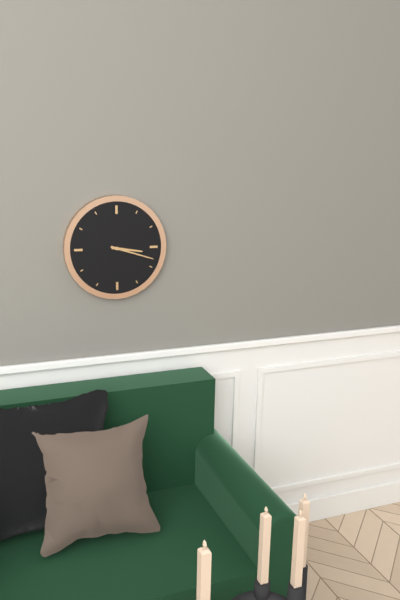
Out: **3:18**
